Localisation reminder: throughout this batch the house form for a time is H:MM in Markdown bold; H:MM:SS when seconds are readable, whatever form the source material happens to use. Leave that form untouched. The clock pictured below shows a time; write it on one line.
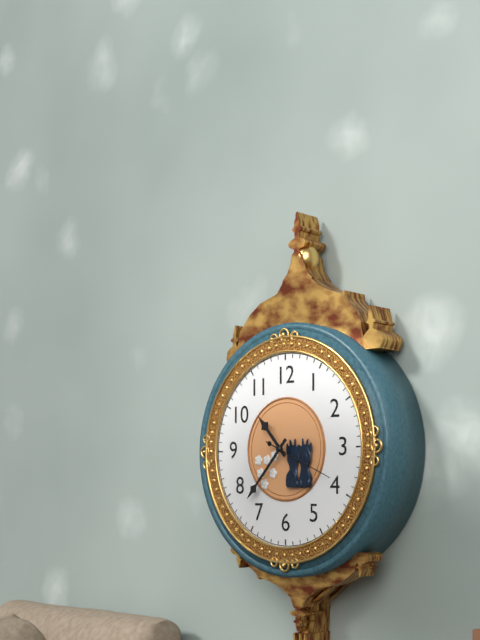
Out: **10:37:19**
